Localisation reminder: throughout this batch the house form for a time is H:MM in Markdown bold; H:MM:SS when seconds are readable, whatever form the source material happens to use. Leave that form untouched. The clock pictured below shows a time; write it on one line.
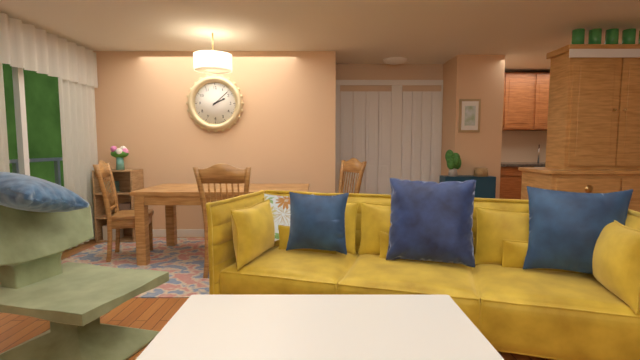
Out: **2:08**
